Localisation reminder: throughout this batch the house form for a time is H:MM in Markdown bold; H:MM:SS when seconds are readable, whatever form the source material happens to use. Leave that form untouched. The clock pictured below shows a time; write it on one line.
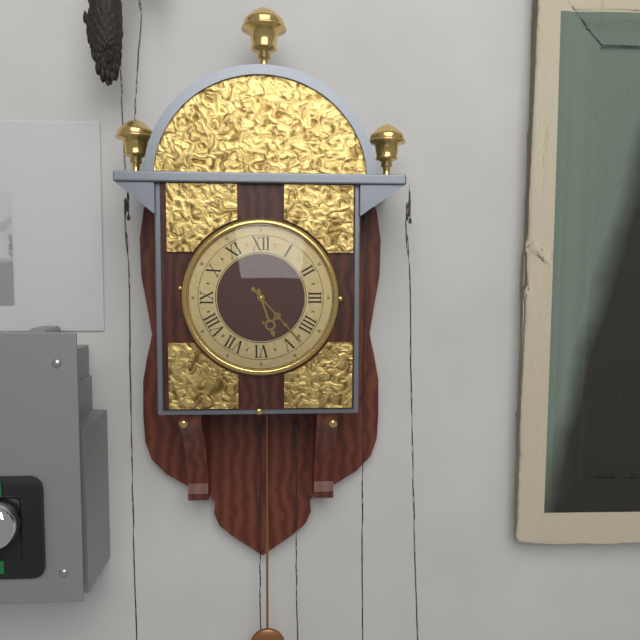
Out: **5:23**
